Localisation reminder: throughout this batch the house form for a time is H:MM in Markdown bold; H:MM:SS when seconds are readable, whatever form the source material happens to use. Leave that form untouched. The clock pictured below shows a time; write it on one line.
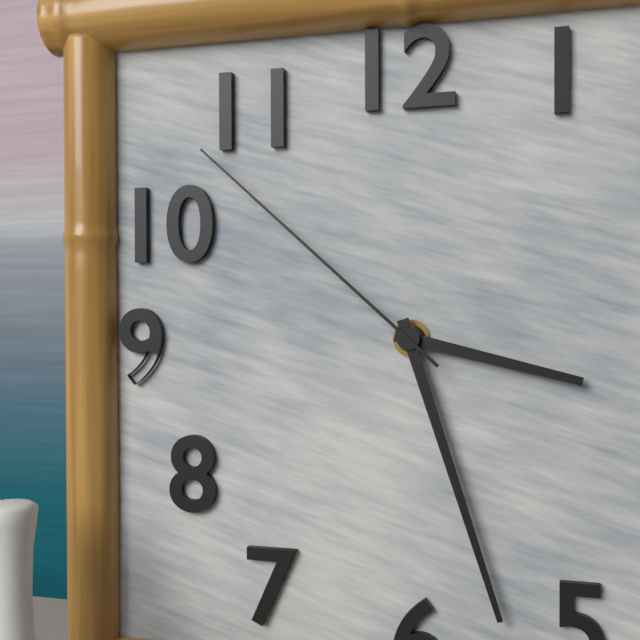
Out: **3:27:52**
